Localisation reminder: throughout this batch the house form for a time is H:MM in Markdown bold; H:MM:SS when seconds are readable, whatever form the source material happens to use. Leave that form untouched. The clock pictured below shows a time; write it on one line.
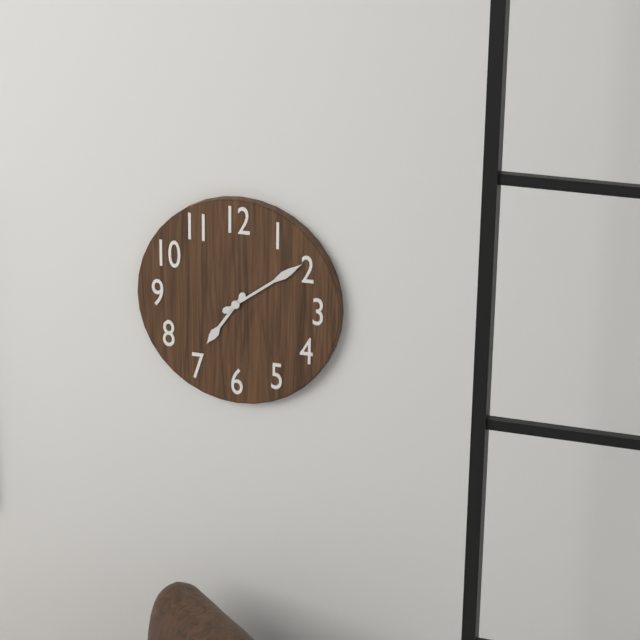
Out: **7:09**
